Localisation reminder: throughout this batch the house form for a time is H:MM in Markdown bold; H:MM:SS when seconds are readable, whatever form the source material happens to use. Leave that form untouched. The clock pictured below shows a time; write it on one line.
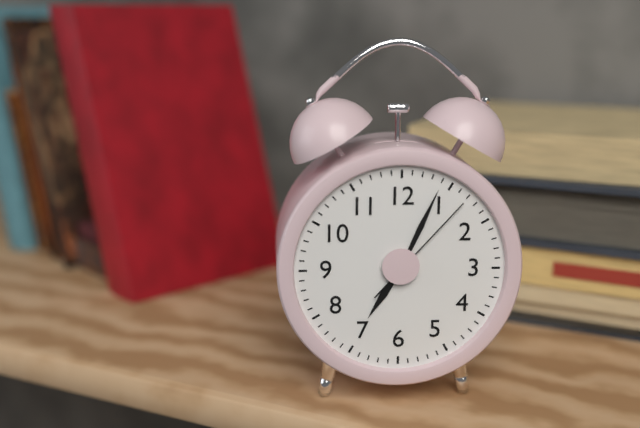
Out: **7:04:07**
